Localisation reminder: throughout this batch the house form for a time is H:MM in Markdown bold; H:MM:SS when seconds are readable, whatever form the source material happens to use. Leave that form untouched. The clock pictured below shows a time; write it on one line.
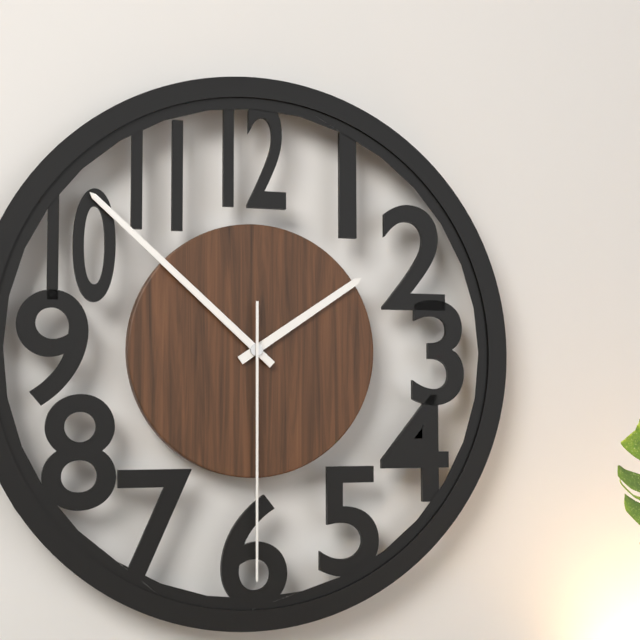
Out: **1:52:30**
